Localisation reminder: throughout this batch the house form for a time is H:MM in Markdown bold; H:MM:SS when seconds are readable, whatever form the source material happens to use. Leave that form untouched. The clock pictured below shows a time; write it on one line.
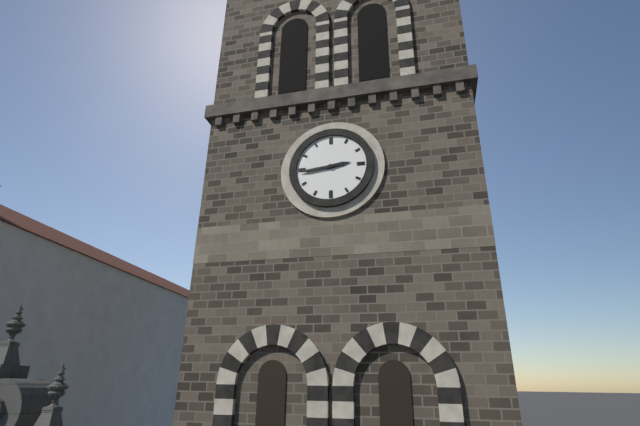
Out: **2:44**
